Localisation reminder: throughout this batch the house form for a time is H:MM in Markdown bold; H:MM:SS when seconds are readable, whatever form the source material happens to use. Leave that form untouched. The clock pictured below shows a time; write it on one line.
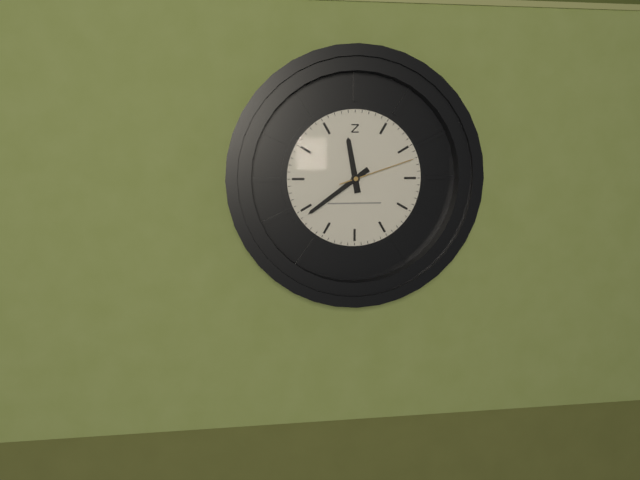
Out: **11:39:12**
